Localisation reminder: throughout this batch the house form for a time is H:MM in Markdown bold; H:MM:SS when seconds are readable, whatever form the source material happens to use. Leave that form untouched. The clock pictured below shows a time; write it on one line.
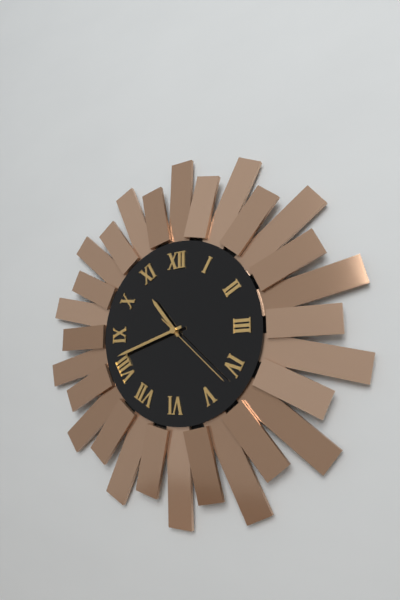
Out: **10:42:22**
